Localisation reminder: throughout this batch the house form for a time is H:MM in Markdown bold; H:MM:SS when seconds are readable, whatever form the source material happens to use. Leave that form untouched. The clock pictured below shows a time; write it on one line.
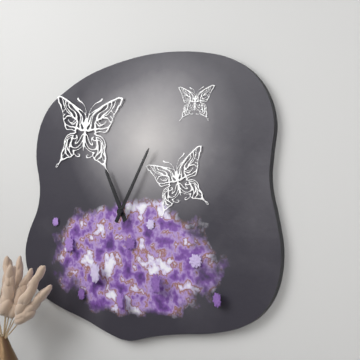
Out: **11:05**
